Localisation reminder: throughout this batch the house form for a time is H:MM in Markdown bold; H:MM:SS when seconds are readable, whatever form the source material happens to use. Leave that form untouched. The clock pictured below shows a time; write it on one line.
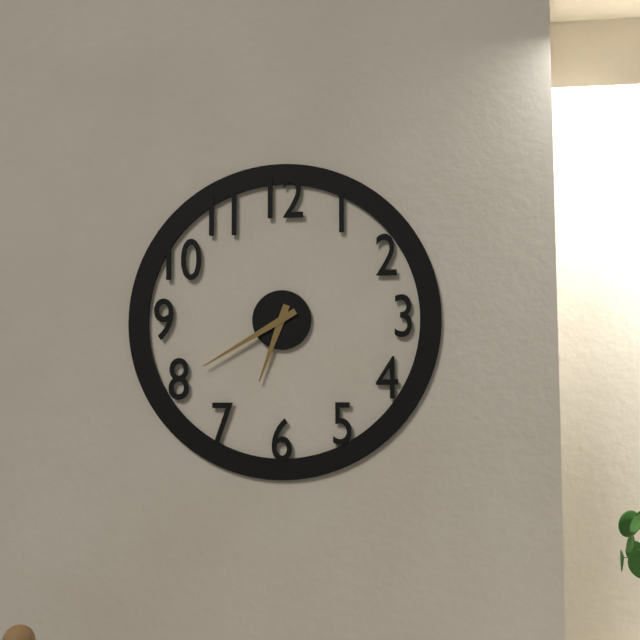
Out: **6:40**
